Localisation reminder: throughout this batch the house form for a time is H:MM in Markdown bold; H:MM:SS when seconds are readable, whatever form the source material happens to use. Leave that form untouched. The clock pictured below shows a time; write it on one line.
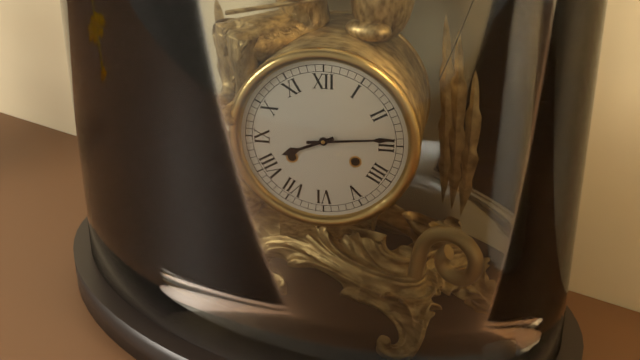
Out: **8:14**
